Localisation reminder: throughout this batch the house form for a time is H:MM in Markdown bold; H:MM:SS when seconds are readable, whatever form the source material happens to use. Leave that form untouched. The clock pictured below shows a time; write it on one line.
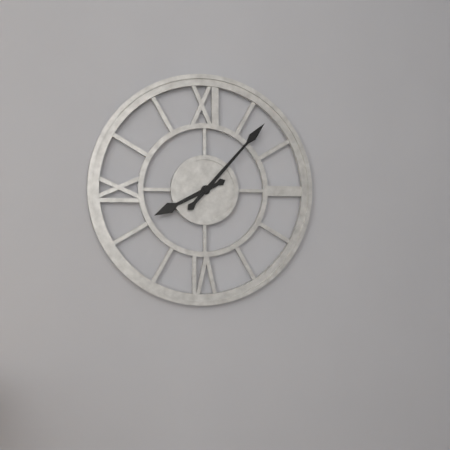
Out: **8:07**
